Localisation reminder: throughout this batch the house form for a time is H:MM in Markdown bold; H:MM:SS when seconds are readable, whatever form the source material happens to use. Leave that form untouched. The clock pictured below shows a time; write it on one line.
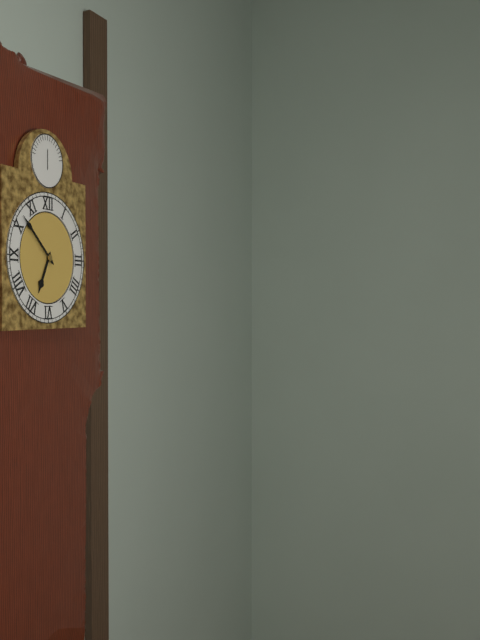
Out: **6:52**
